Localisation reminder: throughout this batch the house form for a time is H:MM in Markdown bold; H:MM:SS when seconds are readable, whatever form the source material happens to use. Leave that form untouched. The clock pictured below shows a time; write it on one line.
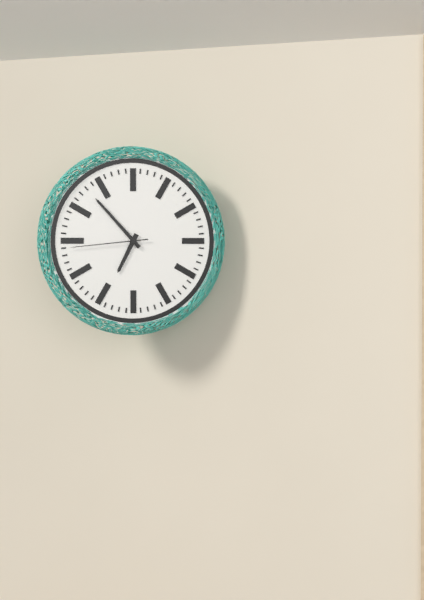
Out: **6:53:44**
